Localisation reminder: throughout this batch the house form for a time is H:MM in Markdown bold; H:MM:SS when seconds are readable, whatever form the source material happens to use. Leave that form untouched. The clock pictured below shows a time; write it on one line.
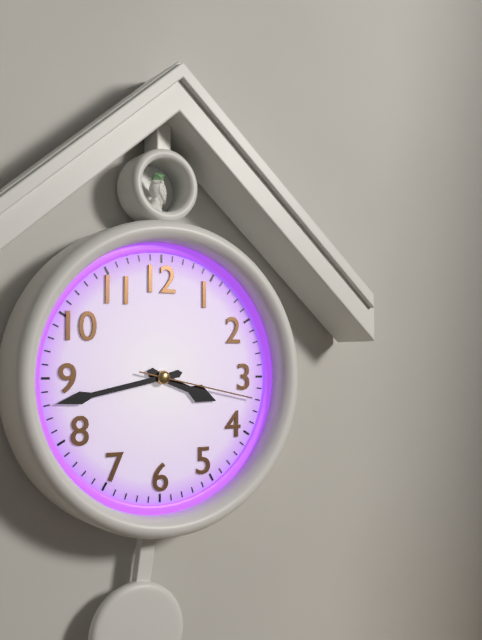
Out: **3:43:17**
